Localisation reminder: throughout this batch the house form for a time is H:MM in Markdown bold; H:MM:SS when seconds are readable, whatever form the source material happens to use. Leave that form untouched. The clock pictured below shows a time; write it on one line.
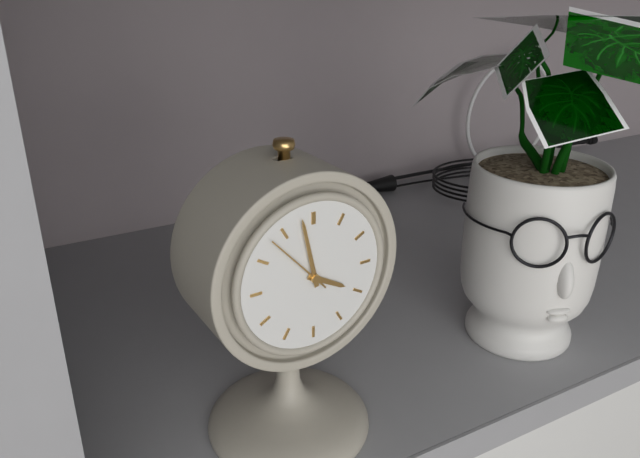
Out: **3:58:53**
